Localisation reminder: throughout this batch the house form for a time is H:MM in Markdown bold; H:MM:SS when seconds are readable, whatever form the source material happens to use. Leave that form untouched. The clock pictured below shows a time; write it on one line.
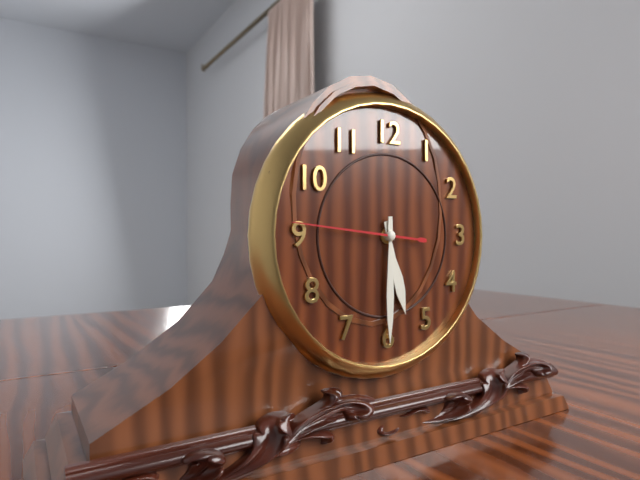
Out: **5:30:46**
